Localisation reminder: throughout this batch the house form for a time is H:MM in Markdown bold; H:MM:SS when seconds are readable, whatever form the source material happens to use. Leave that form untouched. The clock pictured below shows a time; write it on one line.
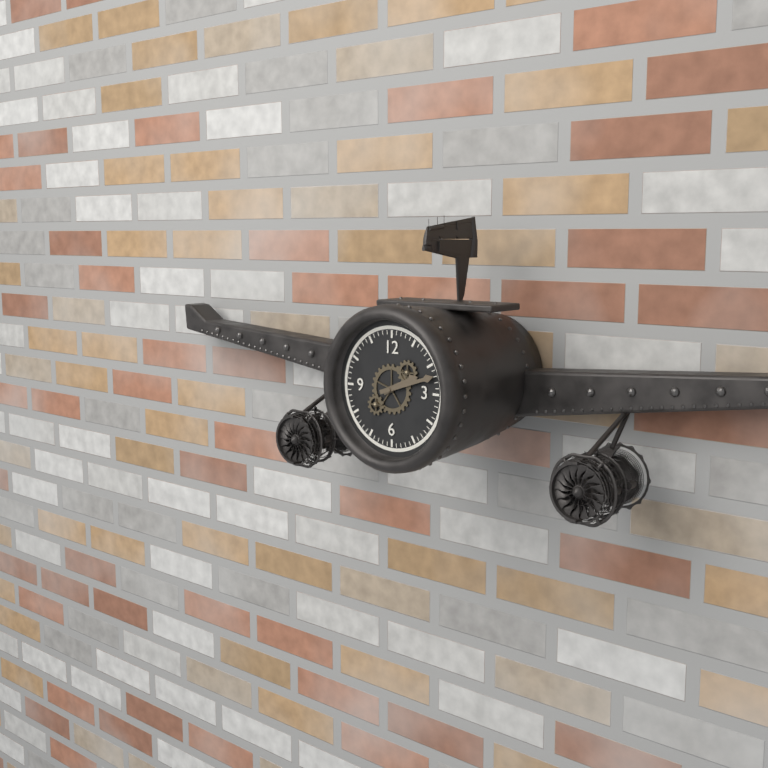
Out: **2:12**
